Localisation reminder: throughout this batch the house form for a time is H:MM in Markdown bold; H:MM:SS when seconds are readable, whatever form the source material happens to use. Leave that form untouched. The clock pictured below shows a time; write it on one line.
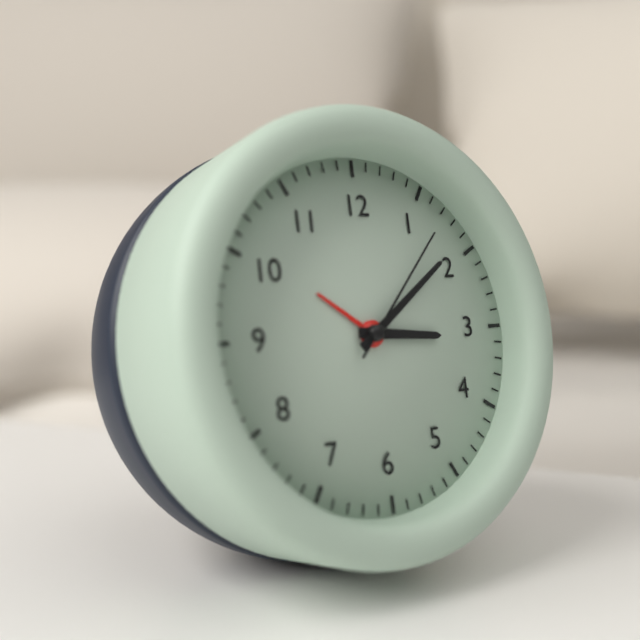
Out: **3:09:07**
